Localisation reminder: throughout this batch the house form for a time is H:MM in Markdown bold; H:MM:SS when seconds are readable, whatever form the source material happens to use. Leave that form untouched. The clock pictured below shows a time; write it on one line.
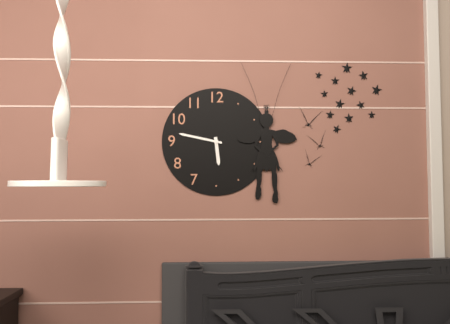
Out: **5:47**
